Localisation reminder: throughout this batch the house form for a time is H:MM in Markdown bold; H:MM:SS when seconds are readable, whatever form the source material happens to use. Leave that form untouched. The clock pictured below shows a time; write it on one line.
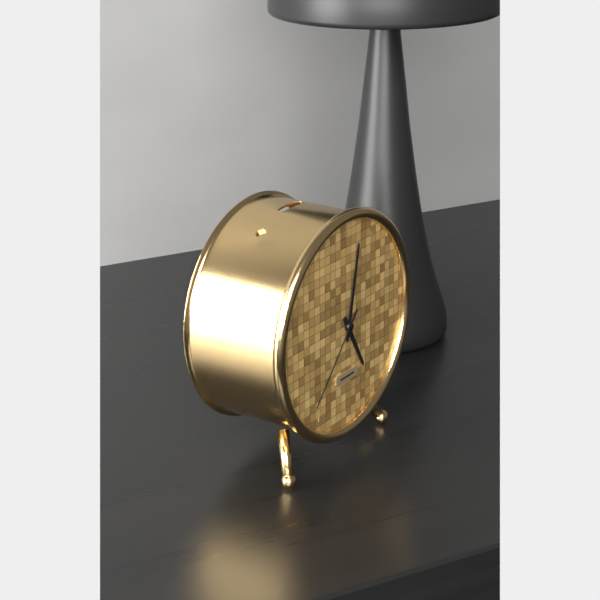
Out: **5:02:37**
